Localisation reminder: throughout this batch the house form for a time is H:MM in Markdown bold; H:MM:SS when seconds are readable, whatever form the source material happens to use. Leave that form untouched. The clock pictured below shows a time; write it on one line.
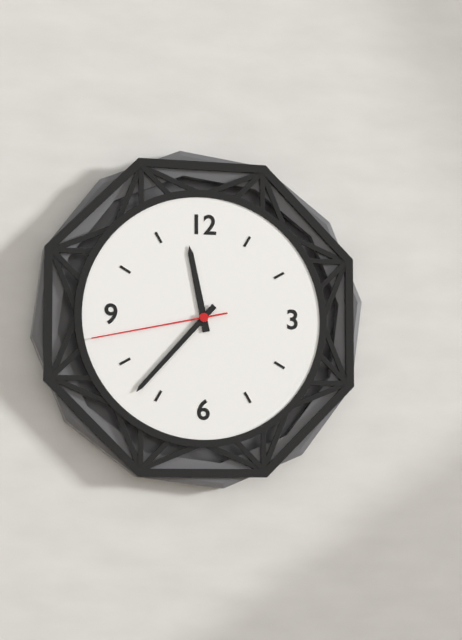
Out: **11:37:43**
